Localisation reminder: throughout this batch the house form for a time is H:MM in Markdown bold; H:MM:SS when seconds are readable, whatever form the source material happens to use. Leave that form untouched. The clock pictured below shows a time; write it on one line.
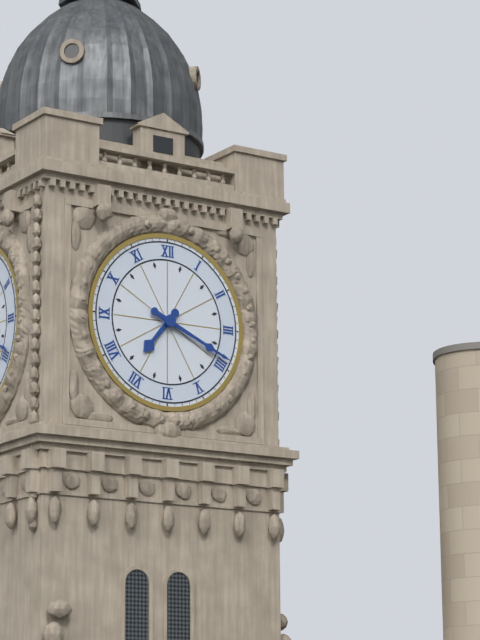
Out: **7:19**
